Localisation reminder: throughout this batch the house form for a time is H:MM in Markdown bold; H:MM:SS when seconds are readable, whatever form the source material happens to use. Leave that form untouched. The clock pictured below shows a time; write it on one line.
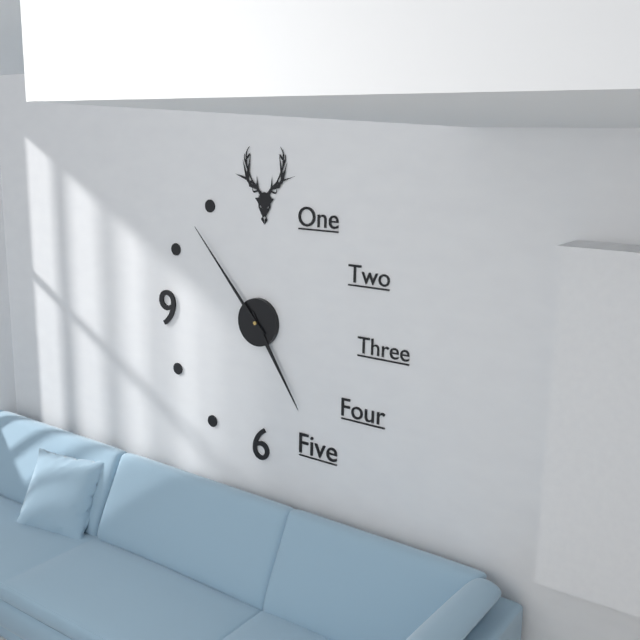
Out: **4:53**
